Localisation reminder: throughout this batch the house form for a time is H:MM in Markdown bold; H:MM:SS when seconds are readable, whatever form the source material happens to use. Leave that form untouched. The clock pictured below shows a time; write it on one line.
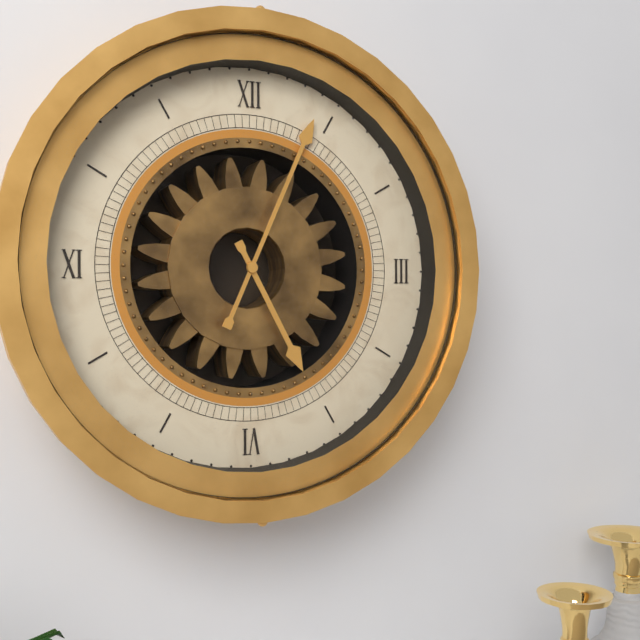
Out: **5:04**
